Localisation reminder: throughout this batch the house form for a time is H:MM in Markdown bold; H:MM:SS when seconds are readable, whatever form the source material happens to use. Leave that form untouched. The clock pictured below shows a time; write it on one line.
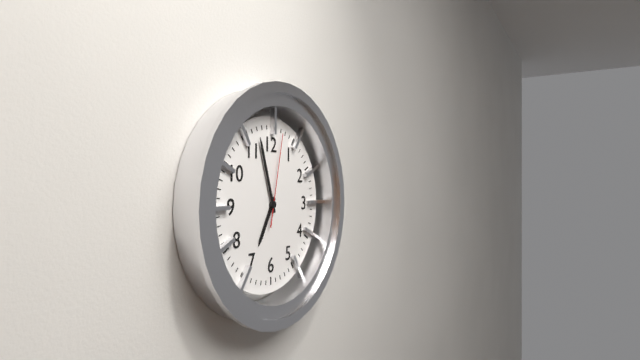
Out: **6:57:02**
